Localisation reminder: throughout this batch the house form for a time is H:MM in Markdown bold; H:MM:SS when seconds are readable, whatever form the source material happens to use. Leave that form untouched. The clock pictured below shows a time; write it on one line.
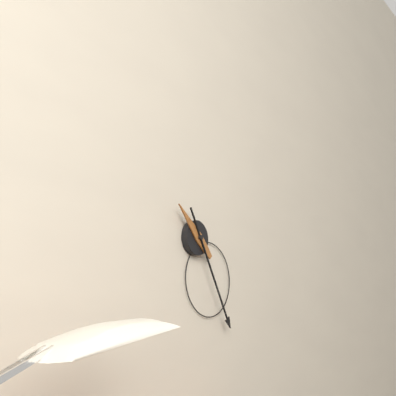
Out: **10:25**
